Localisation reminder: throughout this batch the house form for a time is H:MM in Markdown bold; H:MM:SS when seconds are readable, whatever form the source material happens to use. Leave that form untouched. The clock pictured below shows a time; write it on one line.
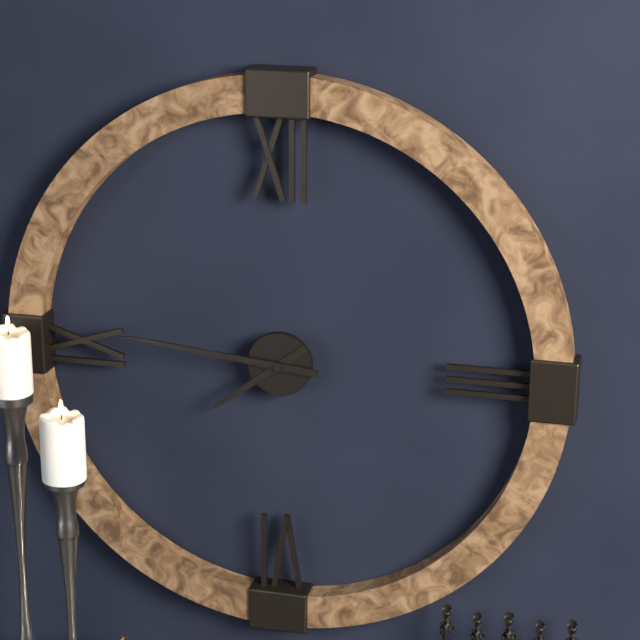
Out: **7:46**
